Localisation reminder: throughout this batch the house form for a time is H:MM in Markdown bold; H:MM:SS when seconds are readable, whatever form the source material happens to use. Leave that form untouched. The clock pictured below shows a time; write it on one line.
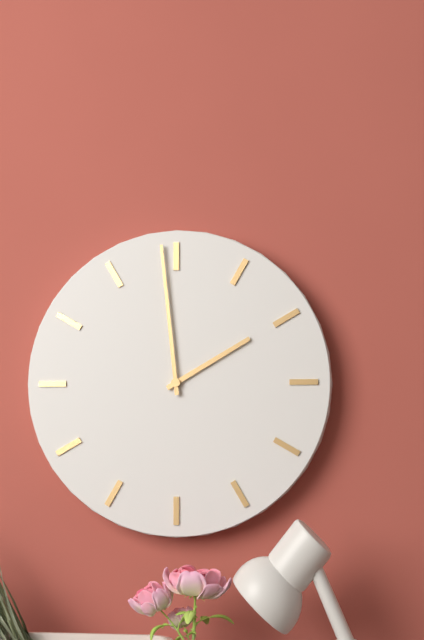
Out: **1:59**
